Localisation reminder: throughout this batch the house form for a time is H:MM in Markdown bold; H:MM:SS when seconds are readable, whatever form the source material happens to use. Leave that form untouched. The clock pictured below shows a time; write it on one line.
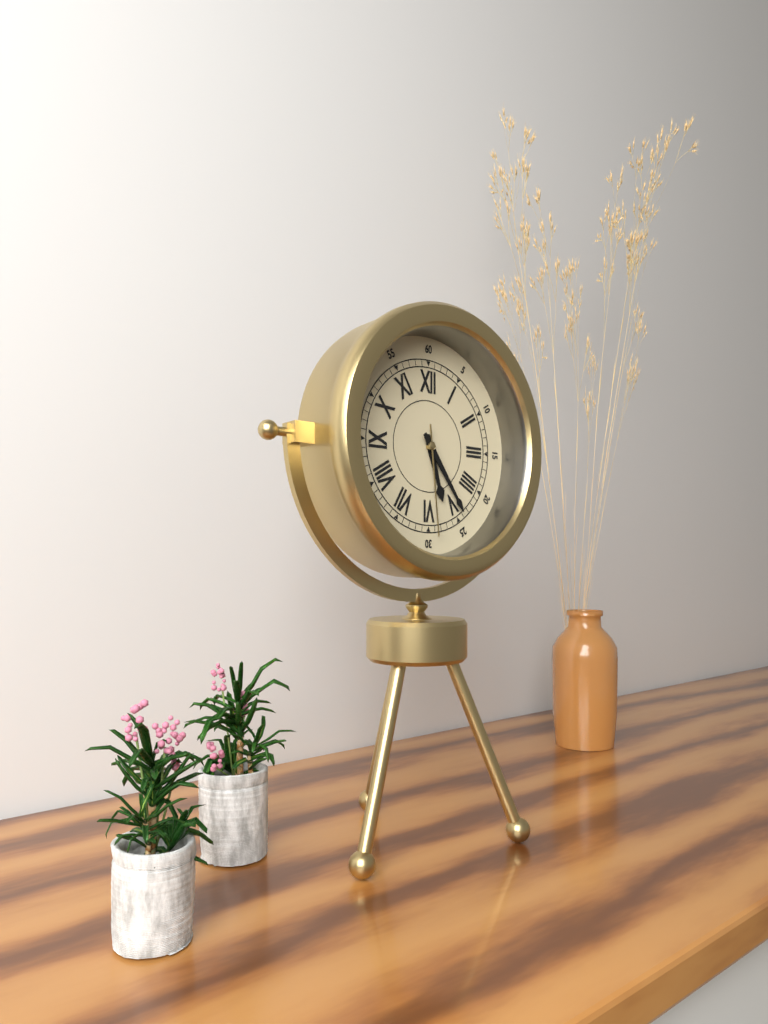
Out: **5:24:29**
